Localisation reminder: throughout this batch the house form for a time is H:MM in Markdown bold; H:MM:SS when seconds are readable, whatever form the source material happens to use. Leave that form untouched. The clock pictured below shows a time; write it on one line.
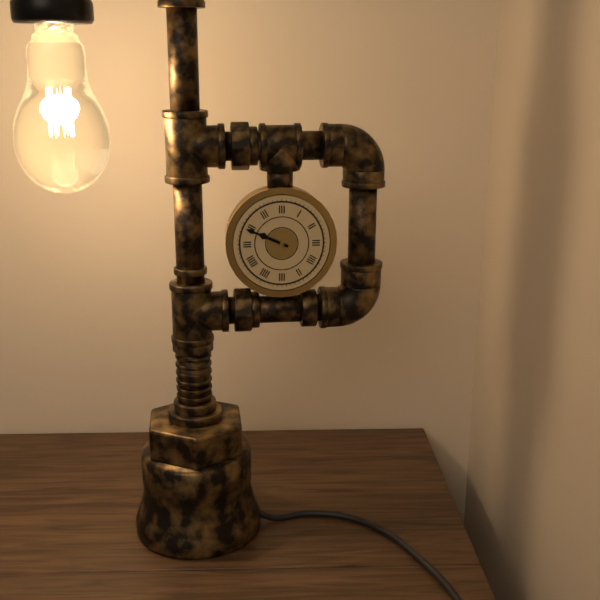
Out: **9:49**
